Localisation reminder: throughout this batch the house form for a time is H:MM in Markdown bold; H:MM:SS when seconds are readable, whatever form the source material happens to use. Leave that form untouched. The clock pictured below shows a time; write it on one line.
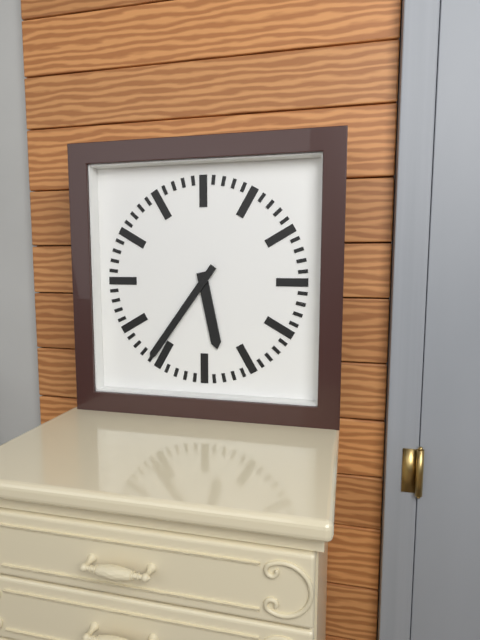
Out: **5:36**
